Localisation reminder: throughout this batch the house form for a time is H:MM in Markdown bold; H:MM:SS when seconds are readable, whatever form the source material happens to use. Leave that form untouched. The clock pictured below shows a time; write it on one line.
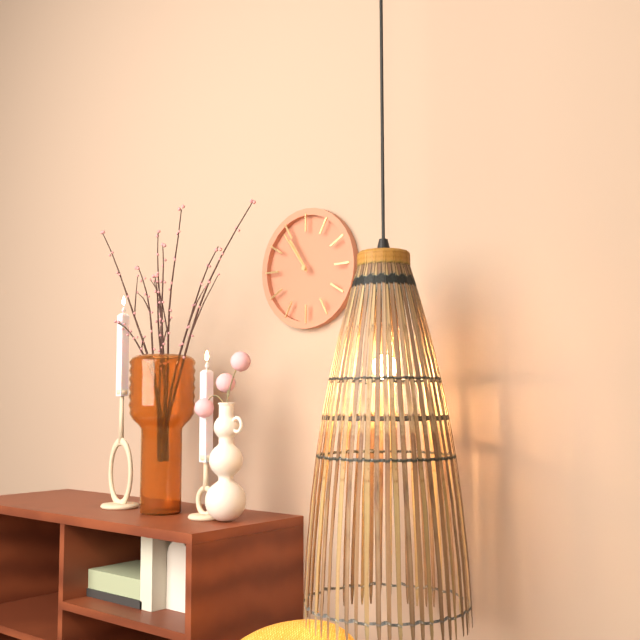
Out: **10:54**
